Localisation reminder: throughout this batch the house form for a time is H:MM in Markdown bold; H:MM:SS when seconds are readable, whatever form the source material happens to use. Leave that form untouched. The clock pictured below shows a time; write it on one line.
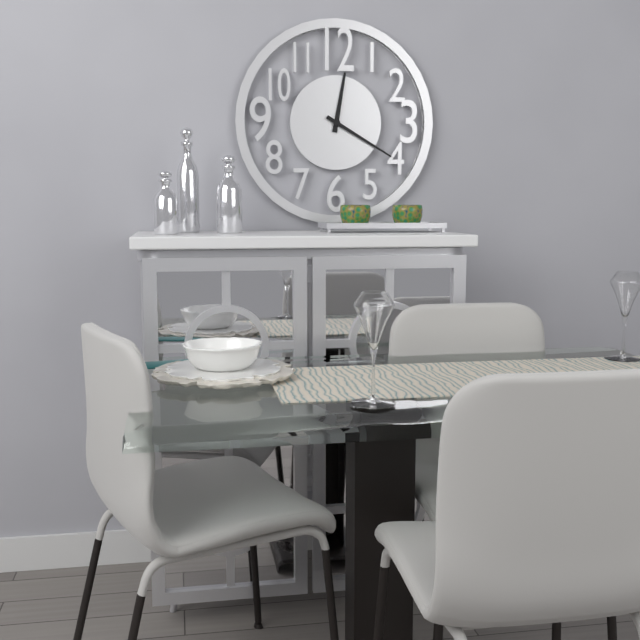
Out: **12:20**
